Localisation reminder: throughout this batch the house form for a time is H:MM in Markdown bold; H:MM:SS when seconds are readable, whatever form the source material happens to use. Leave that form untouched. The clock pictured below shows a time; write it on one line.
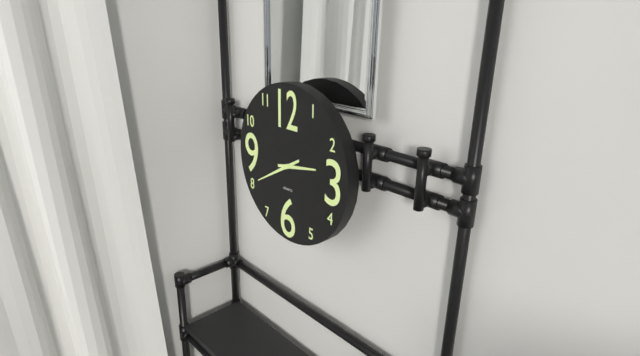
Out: **2:40**
